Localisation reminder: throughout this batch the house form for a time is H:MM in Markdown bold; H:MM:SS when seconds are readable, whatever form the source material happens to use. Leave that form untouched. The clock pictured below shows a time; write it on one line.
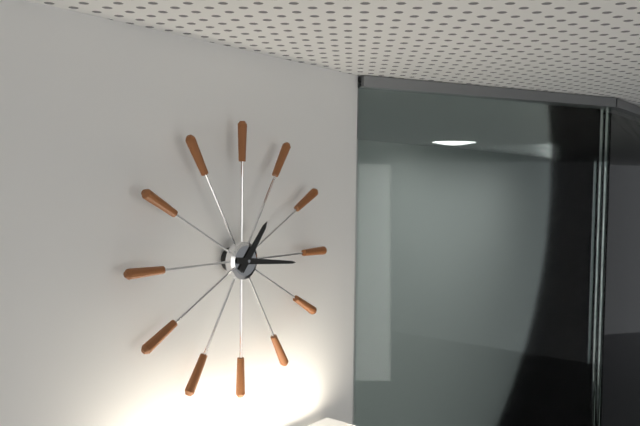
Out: **1:16**
